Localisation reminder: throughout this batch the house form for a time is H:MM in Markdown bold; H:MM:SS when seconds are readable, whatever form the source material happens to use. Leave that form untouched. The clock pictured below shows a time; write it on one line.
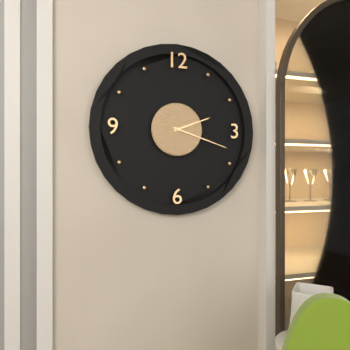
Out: **2:18**
